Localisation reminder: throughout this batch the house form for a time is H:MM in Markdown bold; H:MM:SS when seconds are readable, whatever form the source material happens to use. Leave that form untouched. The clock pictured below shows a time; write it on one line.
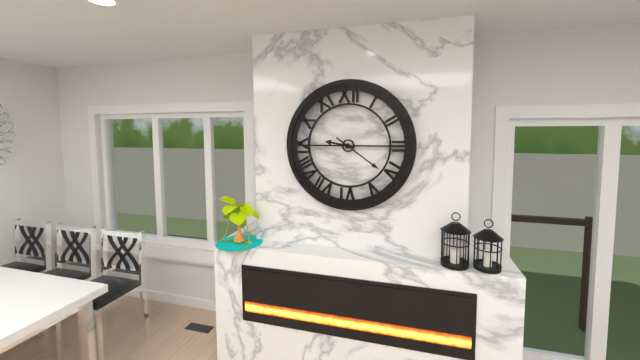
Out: **9:21**
